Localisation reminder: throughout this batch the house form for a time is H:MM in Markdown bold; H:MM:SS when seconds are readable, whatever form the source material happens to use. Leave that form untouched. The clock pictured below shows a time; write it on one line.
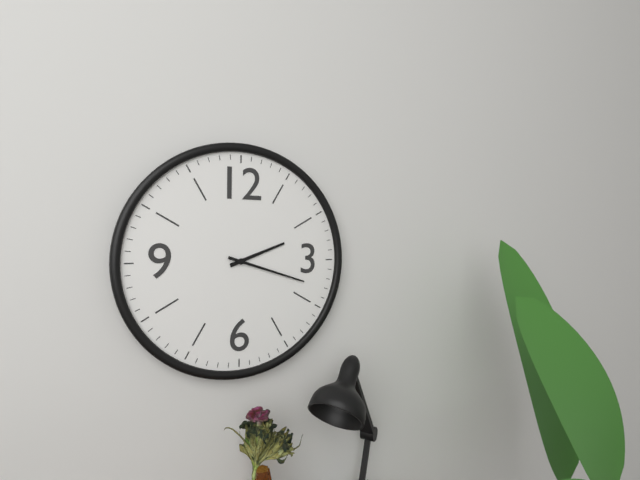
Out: **2:18**
